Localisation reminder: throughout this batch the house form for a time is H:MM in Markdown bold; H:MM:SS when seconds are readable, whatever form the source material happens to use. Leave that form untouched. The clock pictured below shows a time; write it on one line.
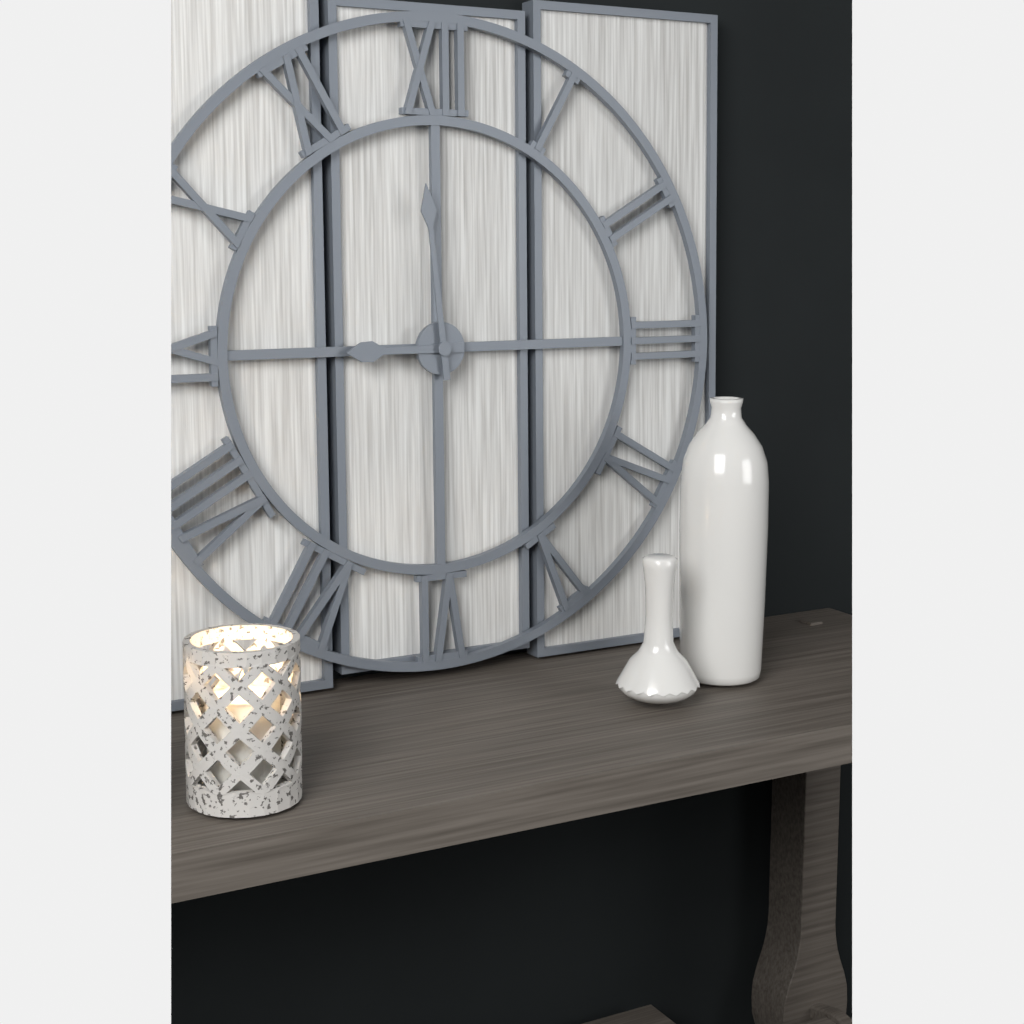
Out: **8:59**
